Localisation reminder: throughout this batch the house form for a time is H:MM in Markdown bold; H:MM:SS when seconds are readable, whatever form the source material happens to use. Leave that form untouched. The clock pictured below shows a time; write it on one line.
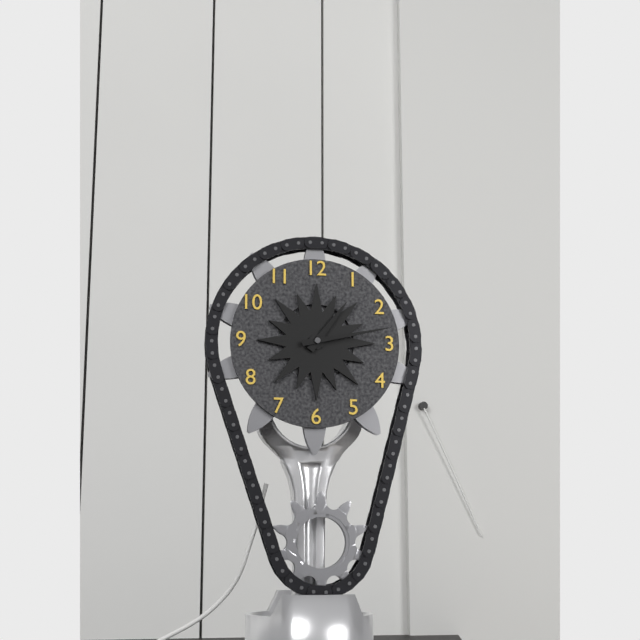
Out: **1:13**
